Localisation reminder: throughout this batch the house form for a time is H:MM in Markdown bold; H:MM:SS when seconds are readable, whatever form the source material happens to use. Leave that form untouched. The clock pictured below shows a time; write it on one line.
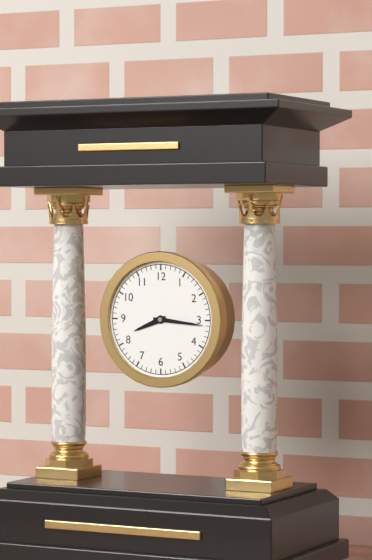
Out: **8:16**
